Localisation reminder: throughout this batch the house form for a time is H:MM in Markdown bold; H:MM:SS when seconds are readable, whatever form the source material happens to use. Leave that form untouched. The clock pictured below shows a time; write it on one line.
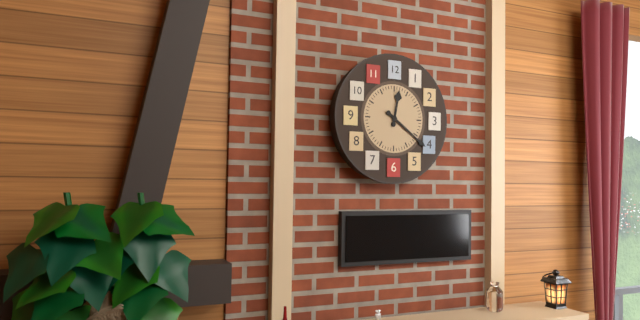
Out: **12:21**
